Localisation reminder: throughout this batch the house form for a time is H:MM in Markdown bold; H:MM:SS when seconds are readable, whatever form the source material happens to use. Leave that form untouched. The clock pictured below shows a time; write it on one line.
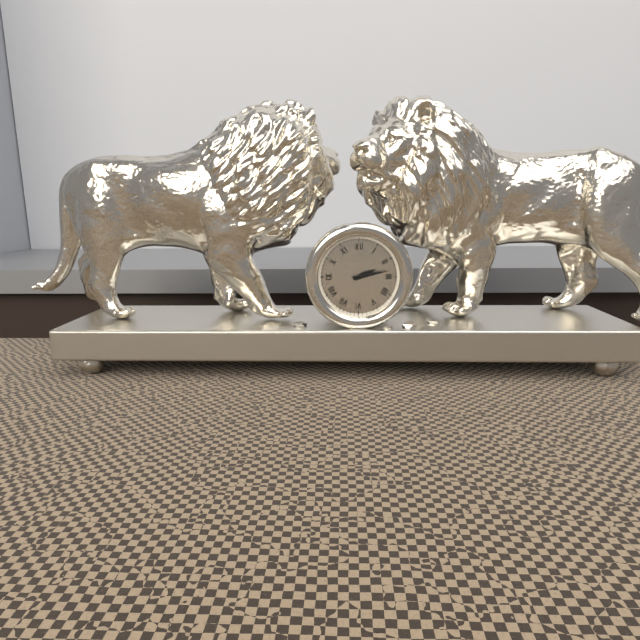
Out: **2:13**
